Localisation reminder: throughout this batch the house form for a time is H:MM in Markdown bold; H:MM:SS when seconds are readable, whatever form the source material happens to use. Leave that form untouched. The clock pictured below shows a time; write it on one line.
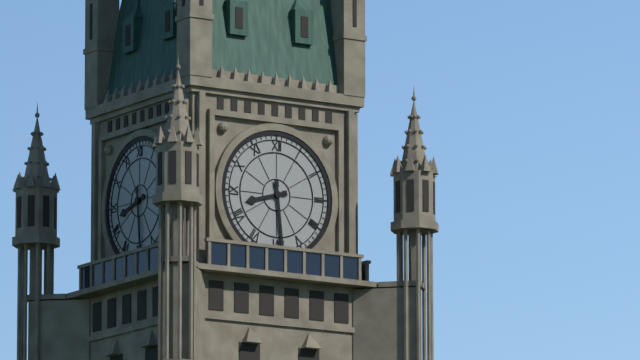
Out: **8:29**
